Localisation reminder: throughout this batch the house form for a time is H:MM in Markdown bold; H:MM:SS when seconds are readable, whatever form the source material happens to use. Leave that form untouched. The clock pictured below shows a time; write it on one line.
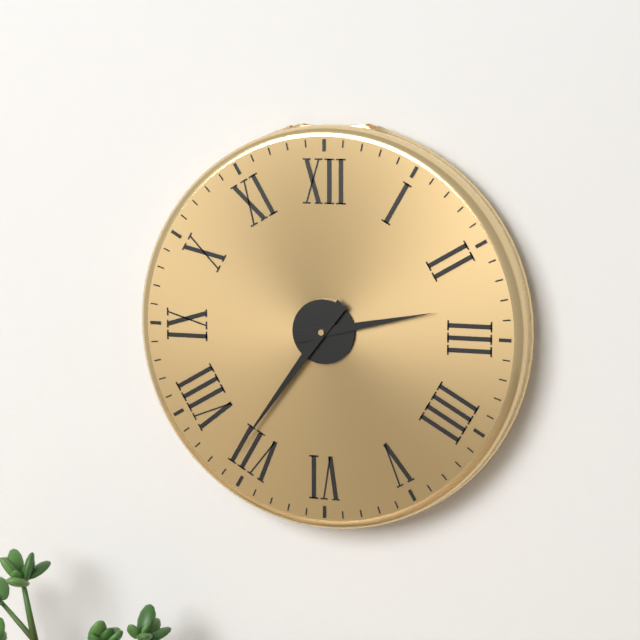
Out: **2:36**
